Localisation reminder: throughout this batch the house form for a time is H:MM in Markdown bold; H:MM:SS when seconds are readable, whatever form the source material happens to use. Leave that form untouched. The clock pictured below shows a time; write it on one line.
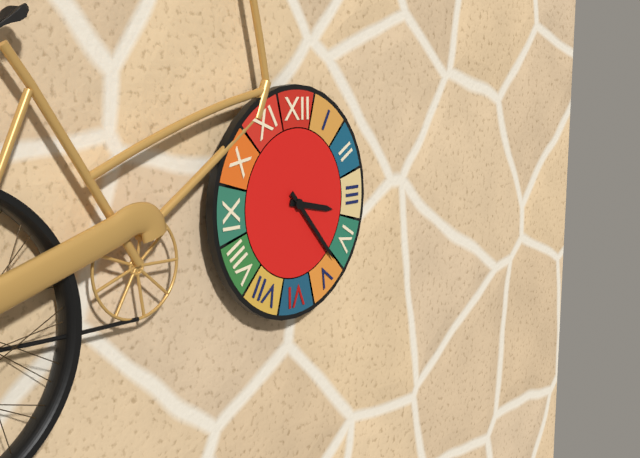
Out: **3:23**
